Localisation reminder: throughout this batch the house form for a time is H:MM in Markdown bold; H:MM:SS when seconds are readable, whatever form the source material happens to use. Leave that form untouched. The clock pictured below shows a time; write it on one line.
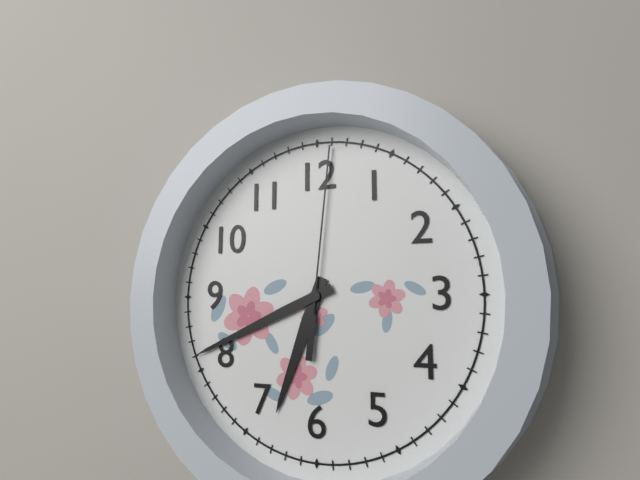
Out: **6:41:01**
